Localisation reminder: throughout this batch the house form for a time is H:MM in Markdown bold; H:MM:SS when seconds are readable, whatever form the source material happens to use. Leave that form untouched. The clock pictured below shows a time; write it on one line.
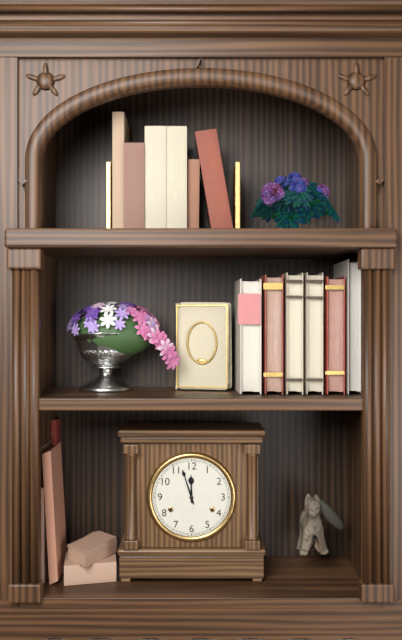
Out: **11:57**
